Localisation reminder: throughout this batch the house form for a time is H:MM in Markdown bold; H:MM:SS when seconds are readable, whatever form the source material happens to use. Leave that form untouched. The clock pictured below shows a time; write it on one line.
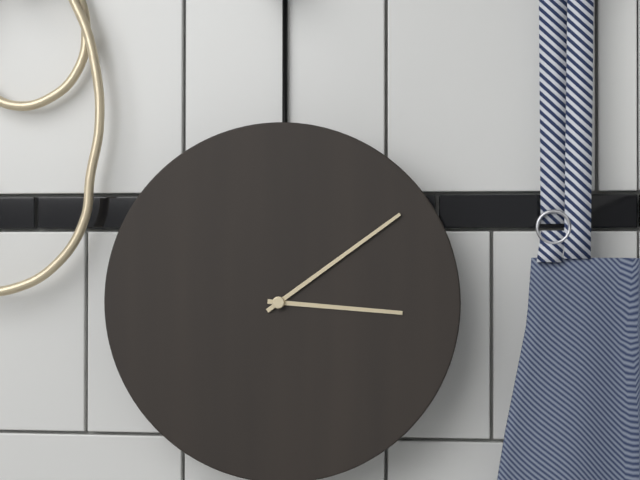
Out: **3:09**
